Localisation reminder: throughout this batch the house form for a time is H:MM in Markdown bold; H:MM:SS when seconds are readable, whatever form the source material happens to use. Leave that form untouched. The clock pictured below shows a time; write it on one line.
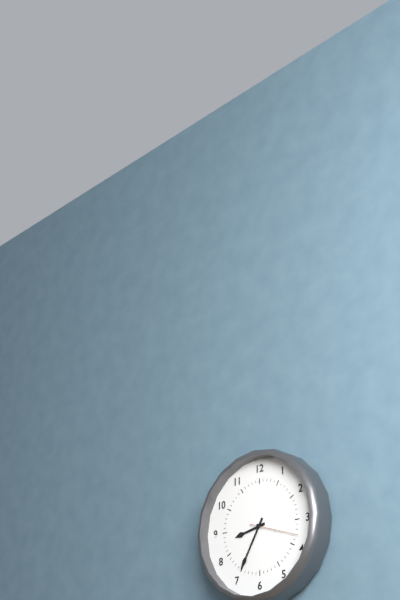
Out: **8:35:18**
